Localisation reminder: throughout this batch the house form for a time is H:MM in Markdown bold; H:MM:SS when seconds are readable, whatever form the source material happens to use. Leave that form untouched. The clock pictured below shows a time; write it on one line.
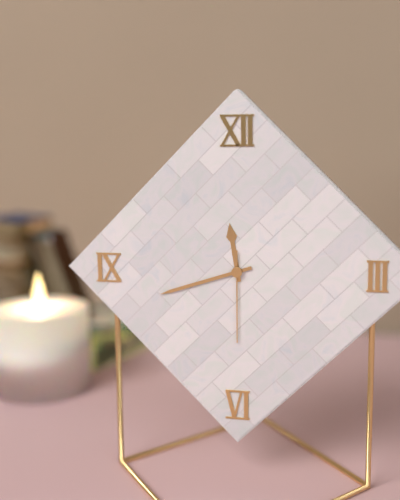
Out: **11:42:30**
